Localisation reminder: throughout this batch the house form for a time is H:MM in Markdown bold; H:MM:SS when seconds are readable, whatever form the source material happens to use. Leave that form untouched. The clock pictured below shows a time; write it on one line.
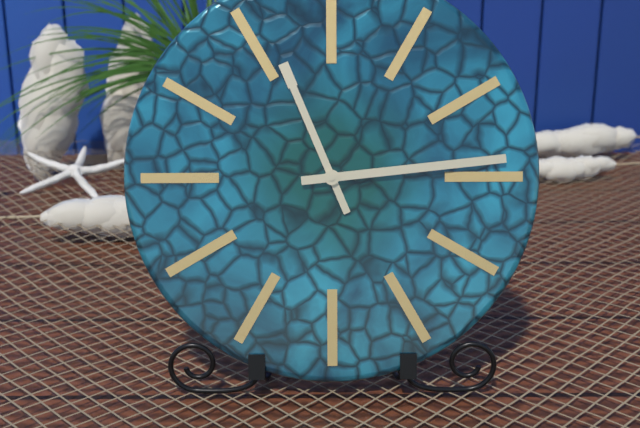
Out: **11:14**
